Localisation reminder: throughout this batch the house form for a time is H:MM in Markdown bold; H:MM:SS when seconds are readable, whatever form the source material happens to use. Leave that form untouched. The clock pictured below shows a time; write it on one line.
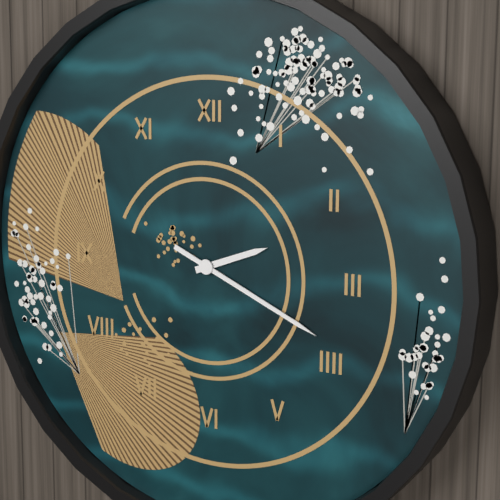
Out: **2:19**
